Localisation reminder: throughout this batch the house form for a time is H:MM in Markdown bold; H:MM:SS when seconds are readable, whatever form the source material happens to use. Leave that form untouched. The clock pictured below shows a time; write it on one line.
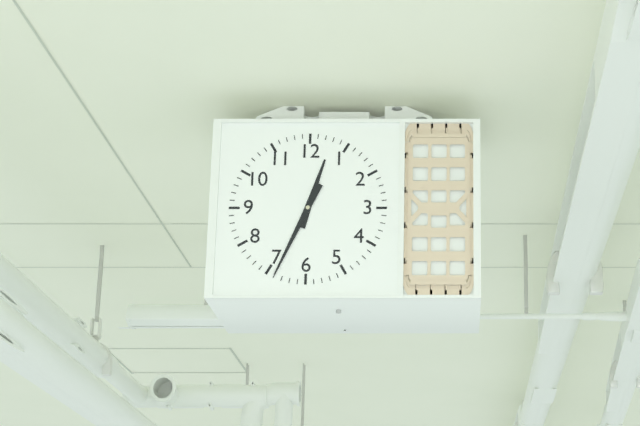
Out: **12:34**
